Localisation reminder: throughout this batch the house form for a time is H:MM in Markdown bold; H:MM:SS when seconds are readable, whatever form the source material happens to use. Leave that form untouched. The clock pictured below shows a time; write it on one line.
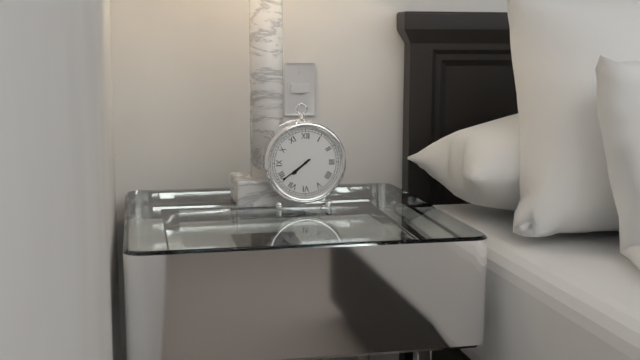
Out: **7:39**
